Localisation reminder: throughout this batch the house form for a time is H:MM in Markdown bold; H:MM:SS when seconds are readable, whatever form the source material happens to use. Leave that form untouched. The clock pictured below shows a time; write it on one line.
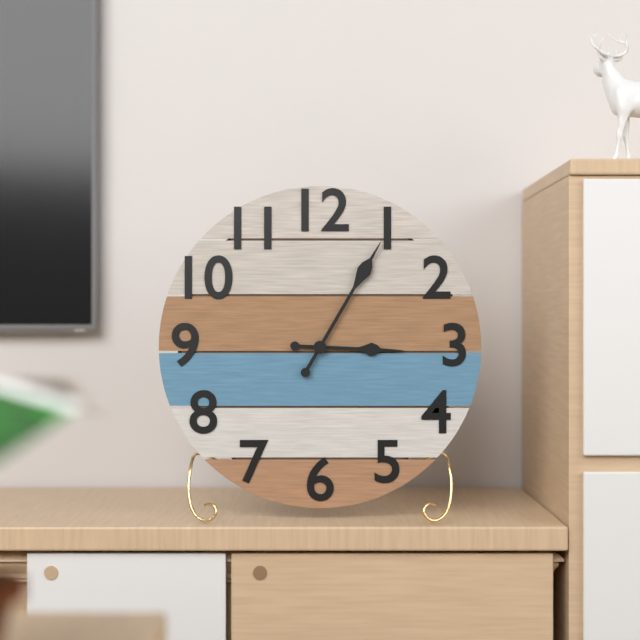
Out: **3:05**
